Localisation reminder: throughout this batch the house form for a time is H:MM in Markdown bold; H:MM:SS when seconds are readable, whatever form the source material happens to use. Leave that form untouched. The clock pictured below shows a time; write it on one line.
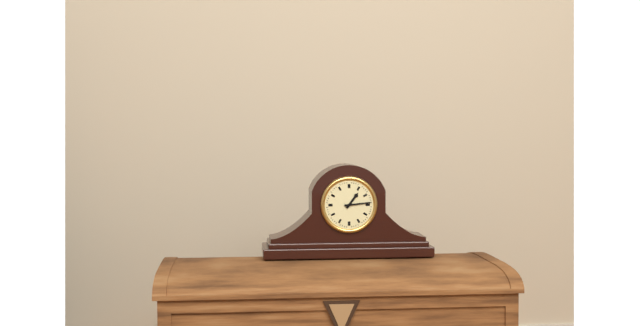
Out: **1:14**
